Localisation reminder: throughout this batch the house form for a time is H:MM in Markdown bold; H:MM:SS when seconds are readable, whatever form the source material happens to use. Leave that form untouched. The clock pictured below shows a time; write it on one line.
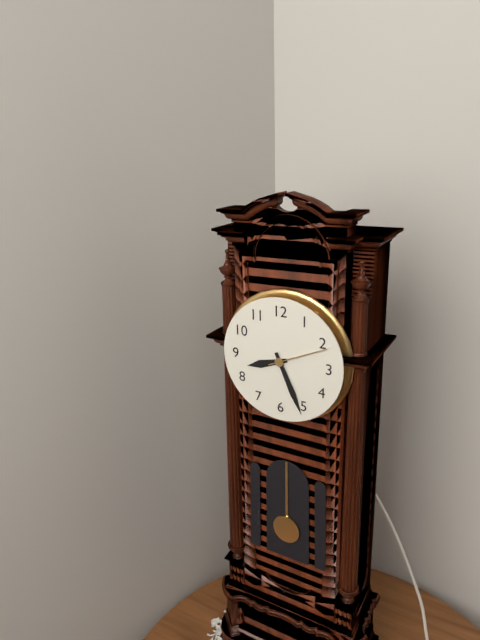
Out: **8:26:11**
